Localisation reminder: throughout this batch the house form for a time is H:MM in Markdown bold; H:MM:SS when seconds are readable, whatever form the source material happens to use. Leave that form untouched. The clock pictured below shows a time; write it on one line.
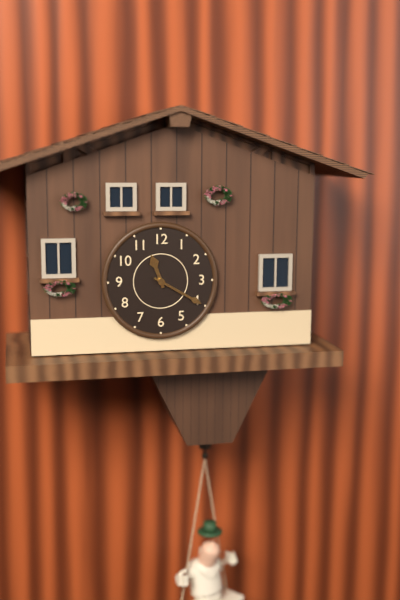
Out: **11:20**
